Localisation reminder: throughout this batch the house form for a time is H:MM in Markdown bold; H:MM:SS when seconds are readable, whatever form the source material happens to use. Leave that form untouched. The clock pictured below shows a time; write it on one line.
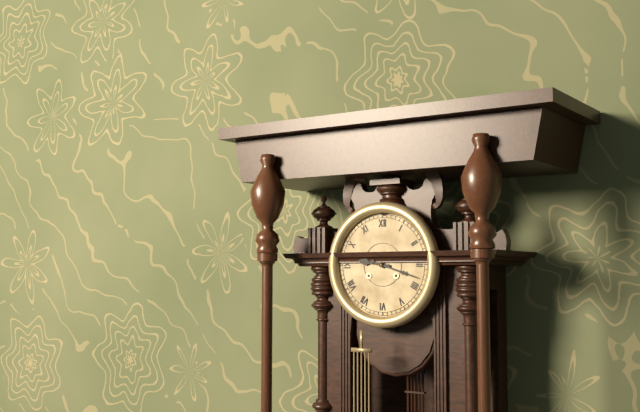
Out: **9:18**
